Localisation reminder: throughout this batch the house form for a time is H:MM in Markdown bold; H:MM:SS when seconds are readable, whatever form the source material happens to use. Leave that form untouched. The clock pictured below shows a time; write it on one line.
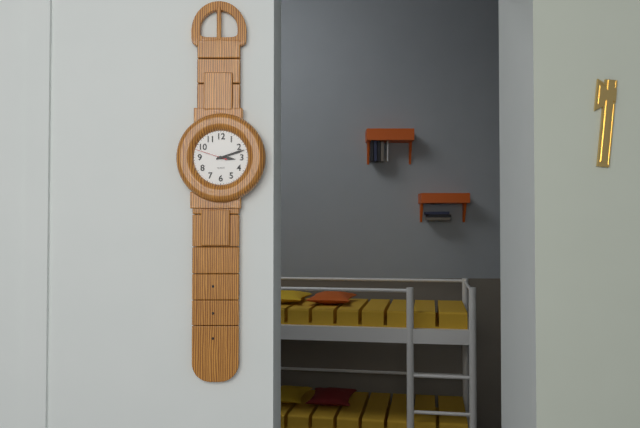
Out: **3:12**
